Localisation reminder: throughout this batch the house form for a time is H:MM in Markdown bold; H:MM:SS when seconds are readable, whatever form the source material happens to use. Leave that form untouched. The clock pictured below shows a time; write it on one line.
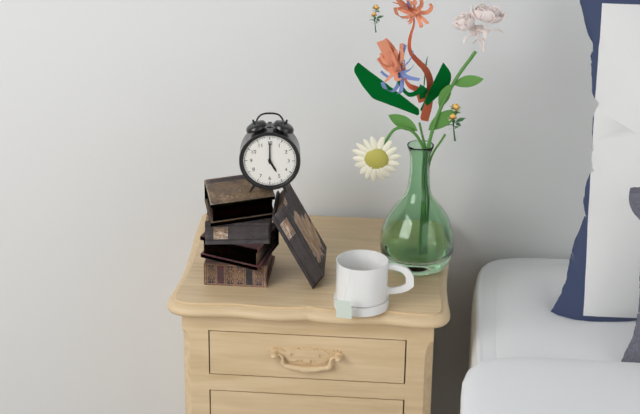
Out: **5:00**
